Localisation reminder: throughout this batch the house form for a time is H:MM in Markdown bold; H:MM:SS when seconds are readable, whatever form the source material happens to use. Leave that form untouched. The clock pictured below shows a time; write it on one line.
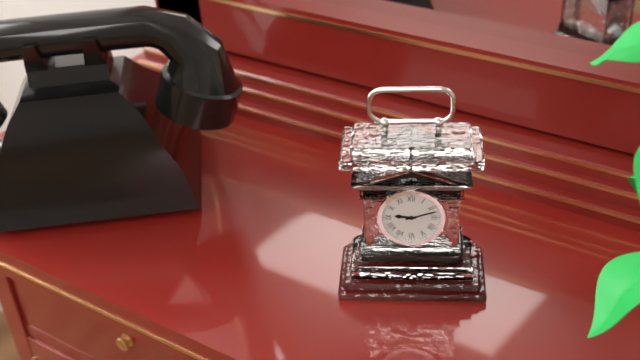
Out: **9:12**
